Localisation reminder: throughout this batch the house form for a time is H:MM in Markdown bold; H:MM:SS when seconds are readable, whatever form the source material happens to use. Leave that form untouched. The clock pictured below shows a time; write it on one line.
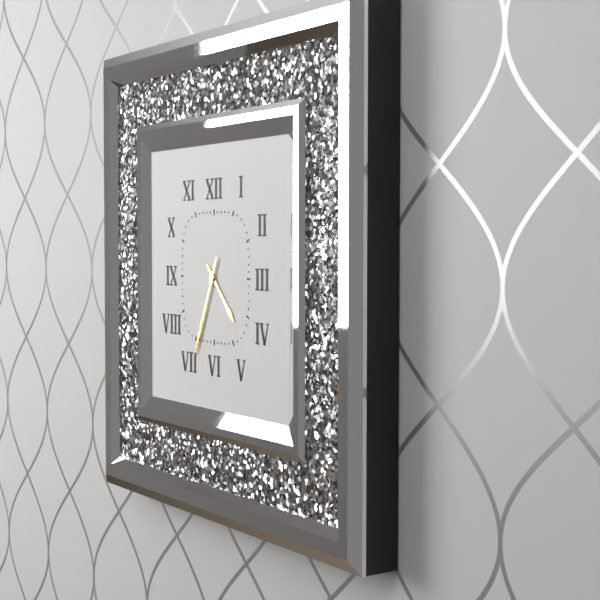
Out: **4:34**
